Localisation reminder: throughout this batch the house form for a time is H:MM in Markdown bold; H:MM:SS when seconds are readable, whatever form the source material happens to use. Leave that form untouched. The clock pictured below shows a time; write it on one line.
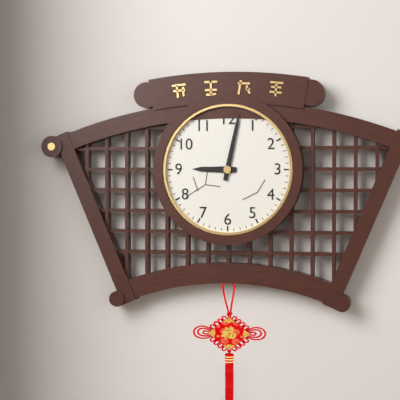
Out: **9:02**
